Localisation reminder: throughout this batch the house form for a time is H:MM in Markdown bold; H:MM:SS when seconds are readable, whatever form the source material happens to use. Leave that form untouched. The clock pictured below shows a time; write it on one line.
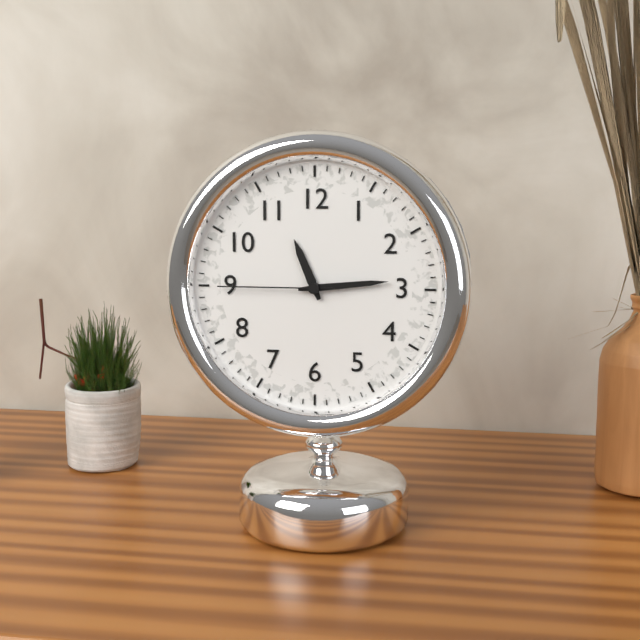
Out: **11:14:45**
